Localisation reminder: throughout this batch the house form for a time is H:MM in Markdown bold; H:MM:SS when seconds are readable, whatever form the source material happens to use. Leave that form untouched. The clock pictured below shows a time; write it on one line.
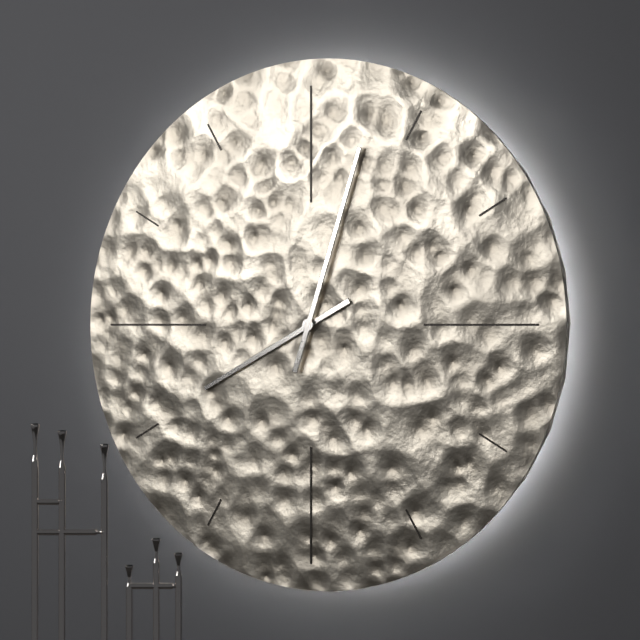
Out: **8:03**
